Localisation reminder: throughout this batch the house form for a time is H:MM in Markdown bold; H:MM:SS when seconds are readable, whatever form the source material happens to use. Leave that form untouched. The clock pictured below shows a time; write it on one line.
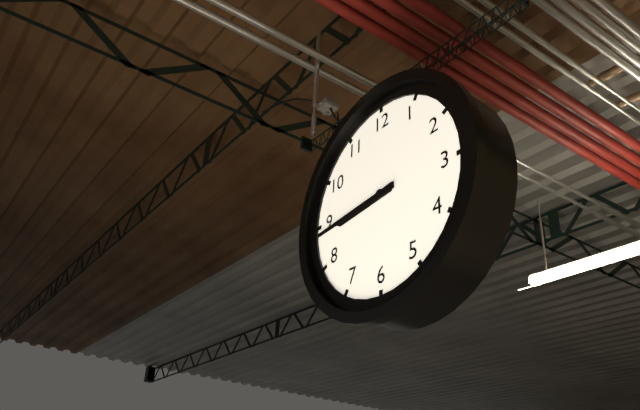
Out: **8:44**
